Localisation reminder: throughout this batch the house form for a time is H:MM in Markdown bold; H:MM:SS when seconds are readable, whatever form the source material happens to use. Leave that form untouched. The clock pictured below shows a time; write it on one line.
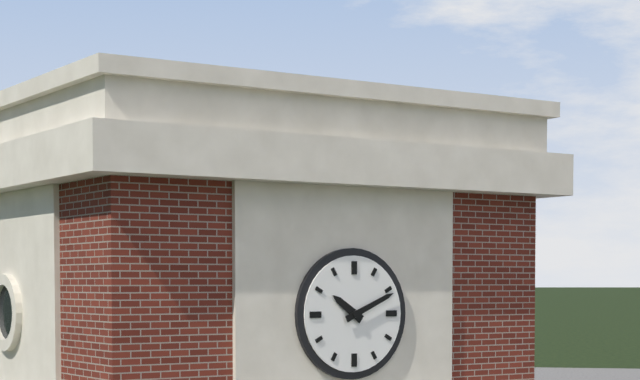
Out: **10:11**
